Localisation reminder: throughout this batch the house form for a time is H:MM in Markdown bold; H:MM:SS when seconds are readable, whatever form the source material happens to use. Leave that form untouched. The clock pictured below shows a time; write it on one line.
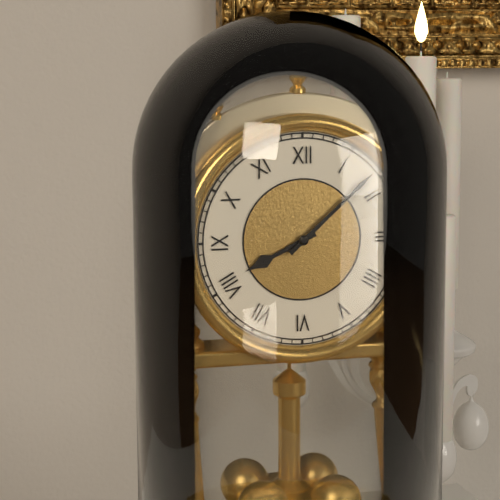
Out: **8:08**
